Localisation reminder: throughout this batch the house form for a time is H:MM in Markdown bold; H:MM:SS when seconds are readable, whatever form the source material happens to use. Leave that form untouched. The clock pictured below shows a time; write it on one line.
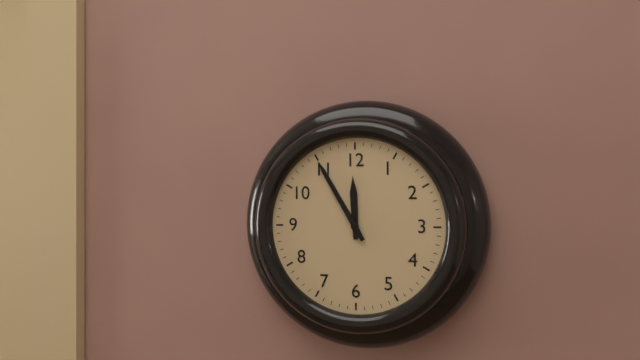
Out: **11:55**
